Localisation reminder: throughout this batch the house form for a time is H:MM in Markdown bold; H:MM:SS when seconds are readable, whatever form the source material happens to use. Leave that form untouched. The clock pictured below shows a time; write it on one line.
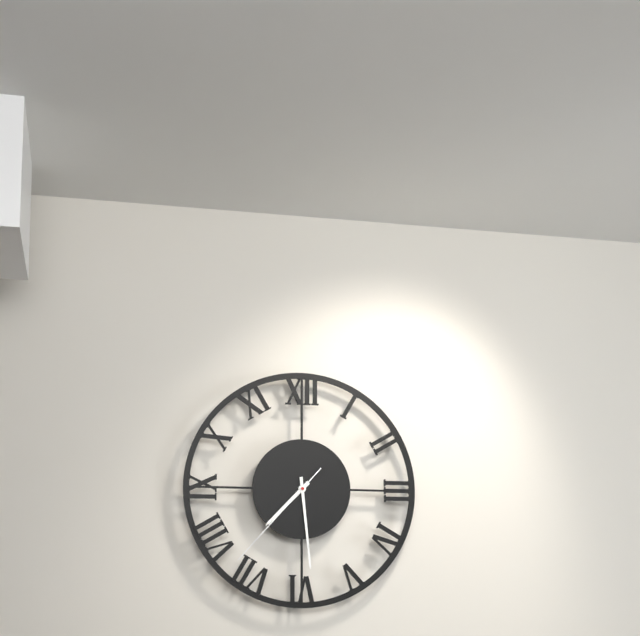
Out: **7:29:37**
